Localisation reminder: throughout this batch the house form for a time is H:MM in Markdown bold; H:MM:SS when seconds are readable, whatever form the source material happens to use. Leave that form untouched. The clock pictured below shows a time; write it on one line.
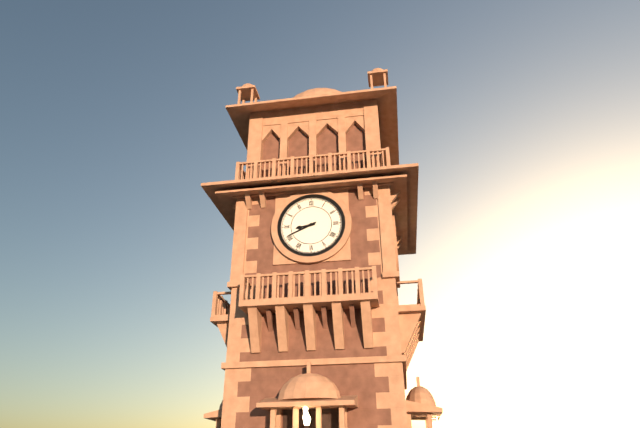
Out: **8:41**
